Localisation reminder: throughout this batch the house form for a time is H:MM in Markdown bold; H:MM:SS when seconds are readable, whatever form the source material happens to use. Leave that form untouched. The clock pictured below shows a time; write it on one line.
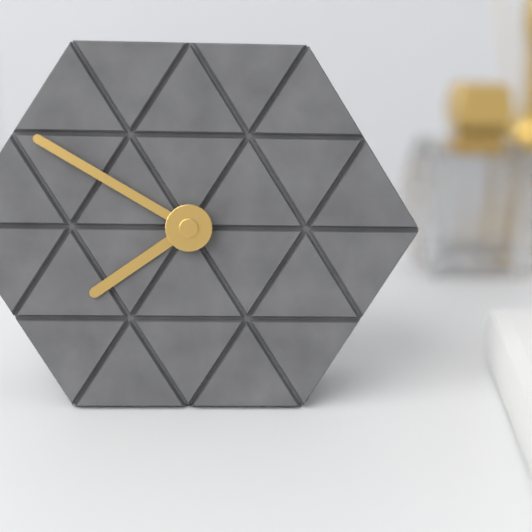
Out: **7:50**
